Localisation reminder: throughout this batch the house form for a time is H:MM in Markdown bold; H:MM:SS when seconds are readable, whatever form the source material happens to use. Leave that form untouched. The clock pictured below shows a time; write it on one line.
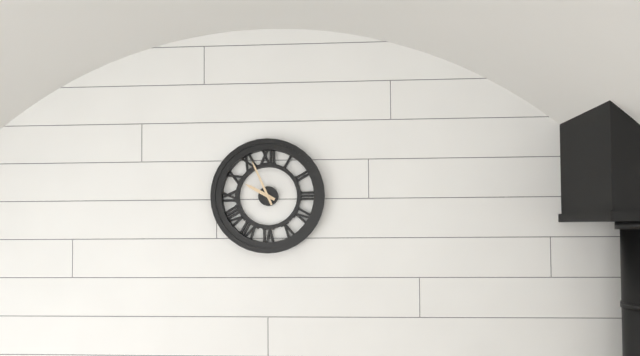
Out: **9:56**
